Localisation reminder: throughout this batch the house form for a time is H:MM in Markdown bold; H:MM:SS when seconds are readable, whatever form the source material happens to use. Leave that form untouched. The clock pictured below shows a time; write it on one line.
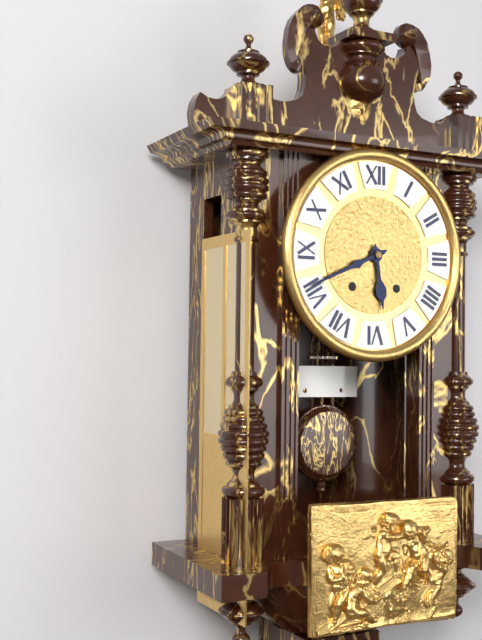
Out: **5:41**
